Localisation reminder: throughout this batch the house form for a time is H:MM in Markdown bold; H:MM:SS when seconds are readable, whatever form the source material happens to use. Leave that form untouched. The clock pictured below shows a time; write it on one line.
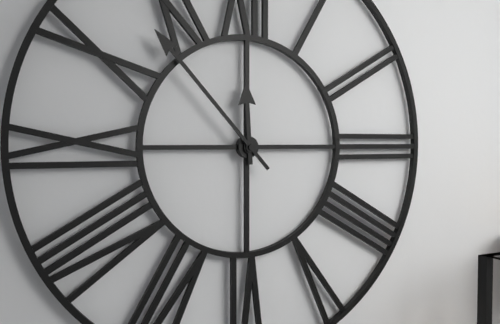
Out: **11:53**
